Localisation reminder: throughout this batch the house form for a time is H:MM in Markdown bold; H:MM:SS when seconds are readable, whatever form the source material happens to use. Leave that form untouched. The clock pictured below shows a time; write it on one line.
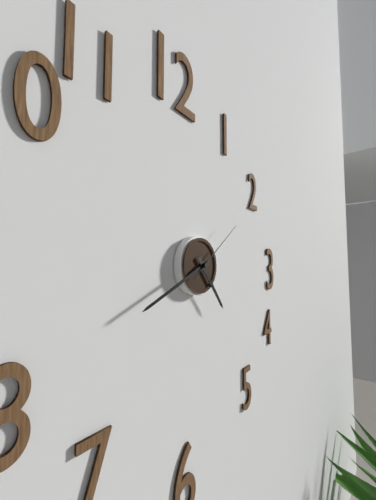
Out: **4:41:09**
